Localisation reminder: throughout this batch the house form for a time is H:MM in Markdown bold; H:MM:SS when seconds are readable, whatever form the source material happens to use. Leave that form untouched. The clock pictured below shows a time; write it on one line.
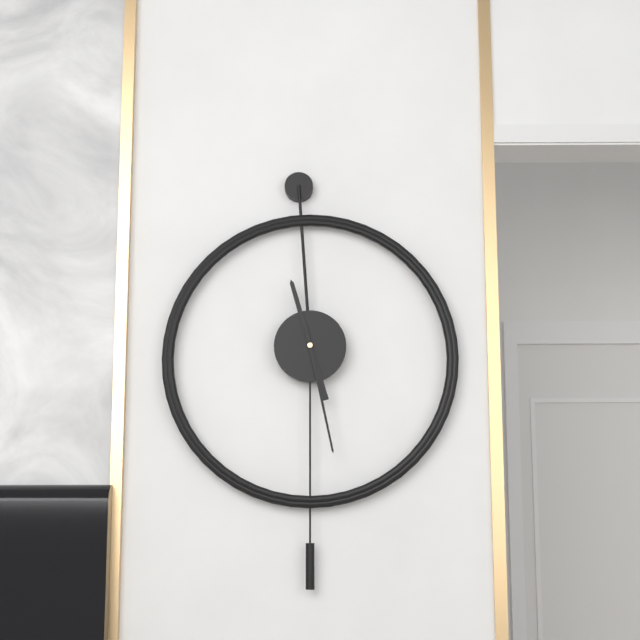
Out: **11:28**
